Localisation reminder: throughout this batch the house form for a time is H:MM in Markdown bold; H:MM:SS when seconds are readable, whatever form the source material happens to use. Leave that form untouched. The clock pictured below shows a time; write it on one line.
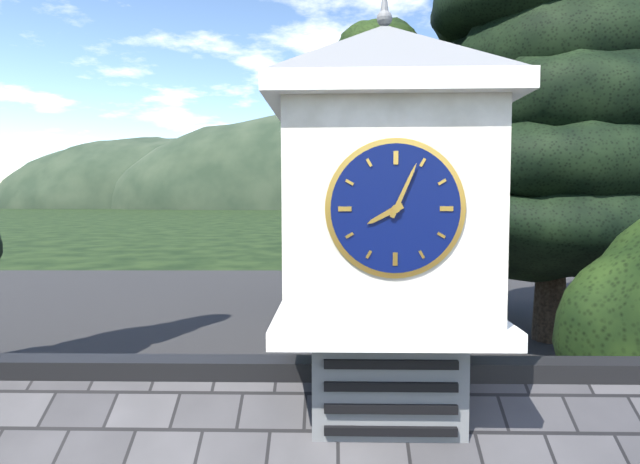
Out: **8:04**
